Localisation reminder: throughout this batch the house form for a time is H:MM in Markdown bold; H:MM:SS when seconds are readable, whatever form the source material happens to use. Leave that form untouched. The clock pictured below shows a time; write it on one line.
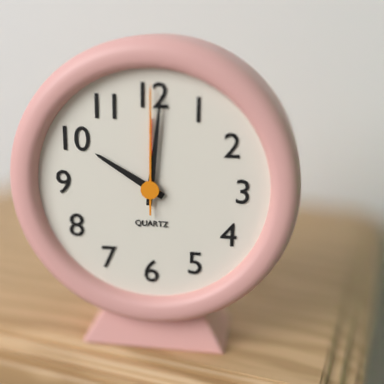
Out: **10:01:00**
